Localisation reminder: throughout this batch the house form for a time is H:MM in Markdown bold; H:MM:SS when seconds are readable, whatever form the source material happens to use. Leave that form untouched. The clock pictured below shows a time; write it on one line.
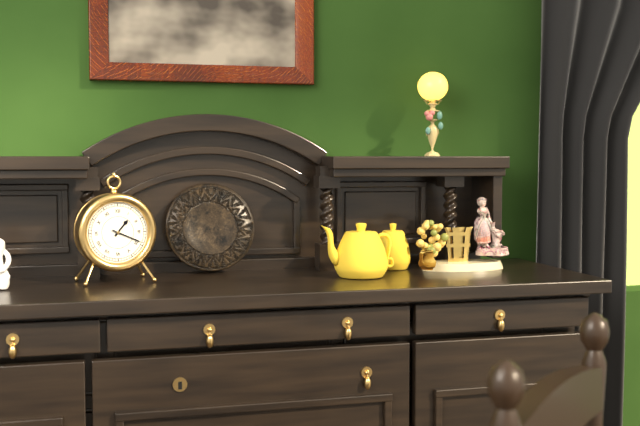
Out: **1:19**
